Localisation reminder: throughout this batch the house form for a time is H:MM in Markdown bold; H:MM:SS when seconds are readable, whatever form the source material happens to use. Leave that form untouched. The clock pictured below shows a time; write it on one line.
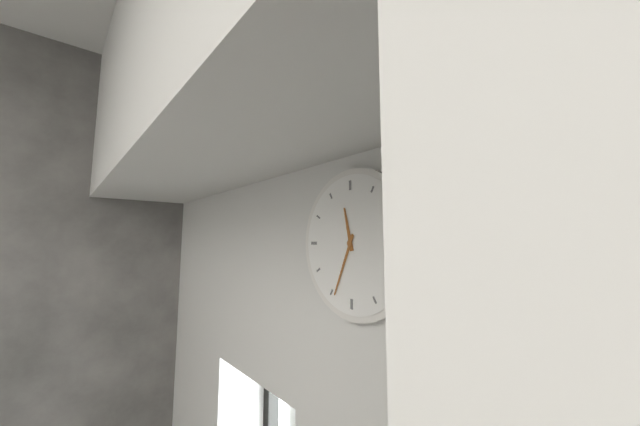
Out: **11:34**
